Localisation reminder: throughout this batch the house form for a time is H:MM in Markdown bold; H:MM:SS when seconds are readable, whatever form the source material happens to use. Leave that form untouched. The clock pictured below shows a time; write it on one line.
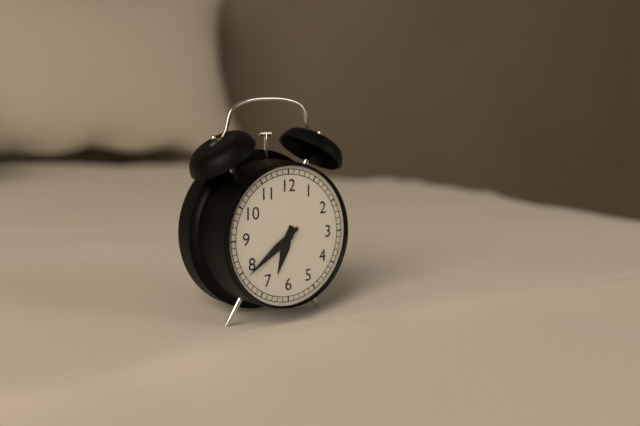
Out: **6:39**
